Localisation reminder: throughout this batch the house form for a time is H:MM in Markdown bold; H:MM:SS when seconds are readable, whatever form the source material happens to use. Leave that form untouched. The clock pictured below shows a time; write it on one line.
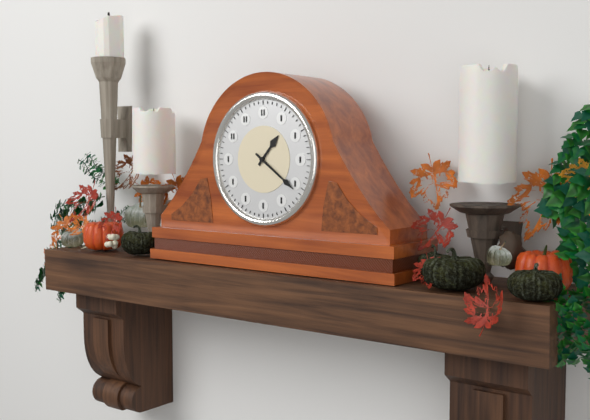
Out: **1:21**
